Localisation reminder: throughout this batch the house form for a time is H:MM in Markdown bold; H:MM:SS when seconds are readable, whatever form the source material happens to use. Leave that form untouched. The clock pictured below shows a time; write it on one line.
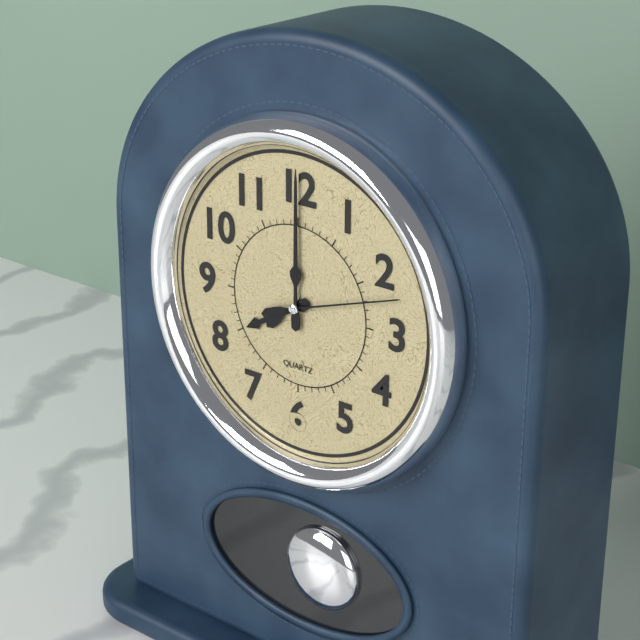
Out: **8:00:12**
